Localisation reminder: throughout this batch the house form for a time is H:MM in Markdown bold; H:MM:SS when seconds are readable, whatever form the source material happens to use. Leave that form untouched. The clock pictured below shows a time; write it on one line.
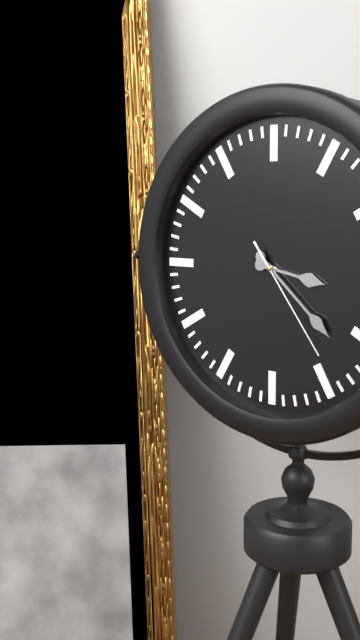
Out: **3:22:24**
